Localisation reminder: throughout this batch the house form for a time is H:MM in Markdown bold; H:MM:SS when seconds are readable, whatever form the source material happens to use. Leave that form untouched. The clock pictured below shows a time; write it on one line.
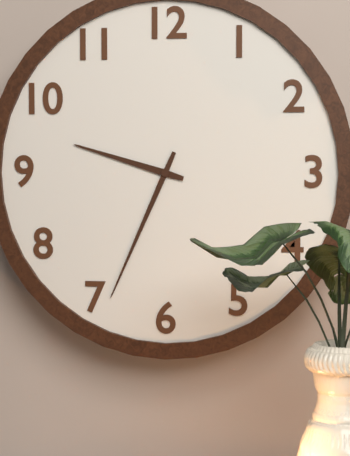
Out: **9:34**
